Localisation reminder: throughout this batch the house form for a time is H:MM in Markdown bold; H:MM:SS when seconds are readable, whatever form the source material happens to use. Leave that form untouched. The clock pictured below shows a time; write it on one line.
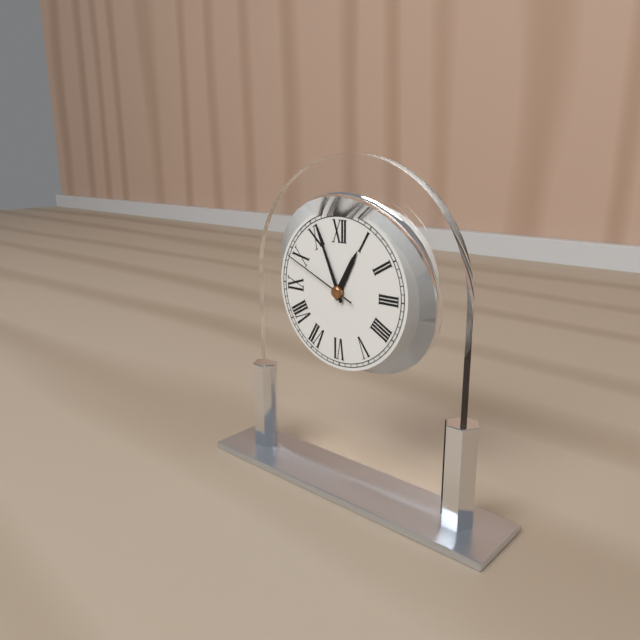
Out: **12:56:49**
